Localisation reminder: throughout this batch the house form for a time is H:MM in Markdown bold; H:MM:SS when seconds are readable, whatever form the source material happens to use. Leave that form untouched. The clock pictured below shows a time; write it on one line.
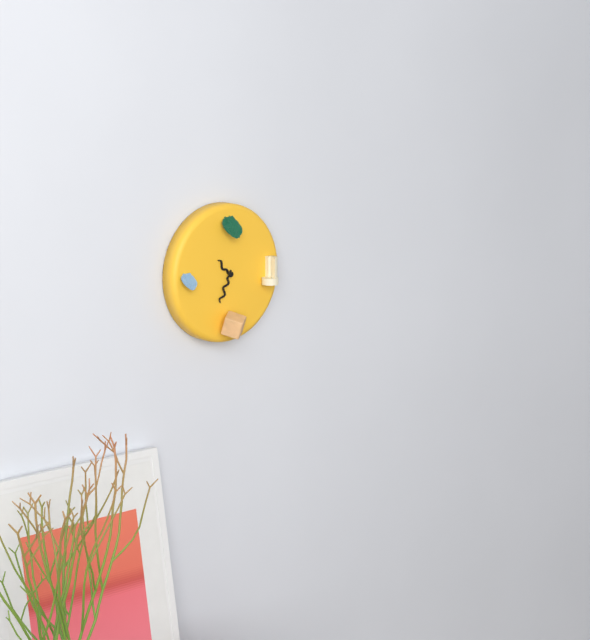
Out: **10:34**
